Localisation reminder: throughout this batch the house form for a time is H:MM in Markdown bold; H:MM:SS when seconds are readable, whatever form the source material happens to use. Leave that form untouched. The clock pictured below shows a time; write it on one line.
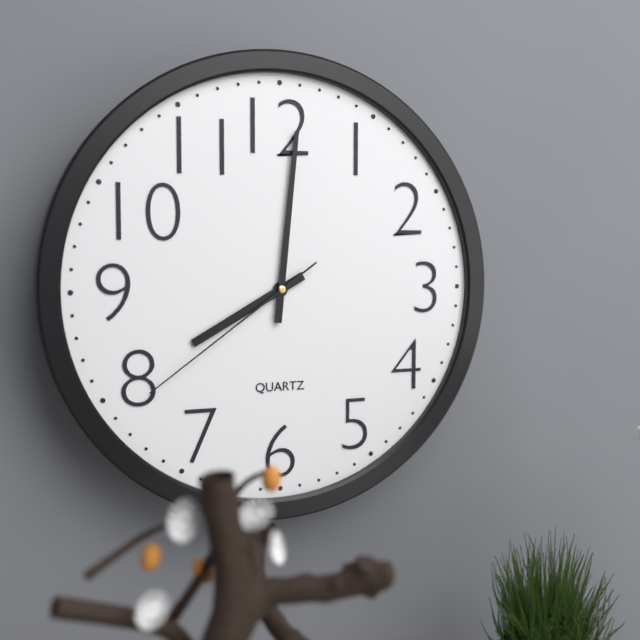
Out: **8:01:39**
